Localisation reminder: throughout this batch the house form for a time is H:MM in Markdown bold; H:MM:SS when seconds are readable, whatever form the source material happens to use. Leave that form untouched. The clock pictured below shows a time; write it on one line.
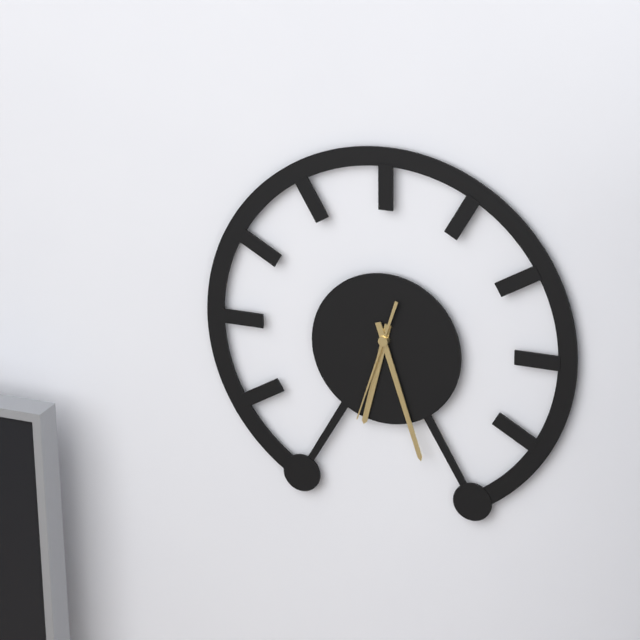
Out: **6:27:33**
